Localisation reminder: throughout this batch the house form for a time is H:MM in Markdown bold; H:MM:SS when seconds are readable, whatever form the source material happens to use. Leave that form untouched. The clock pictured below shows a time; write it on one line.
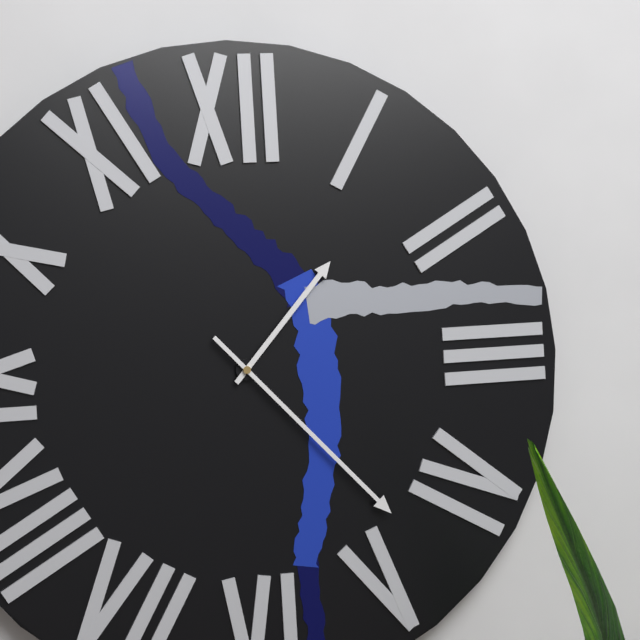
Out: **1:23**
